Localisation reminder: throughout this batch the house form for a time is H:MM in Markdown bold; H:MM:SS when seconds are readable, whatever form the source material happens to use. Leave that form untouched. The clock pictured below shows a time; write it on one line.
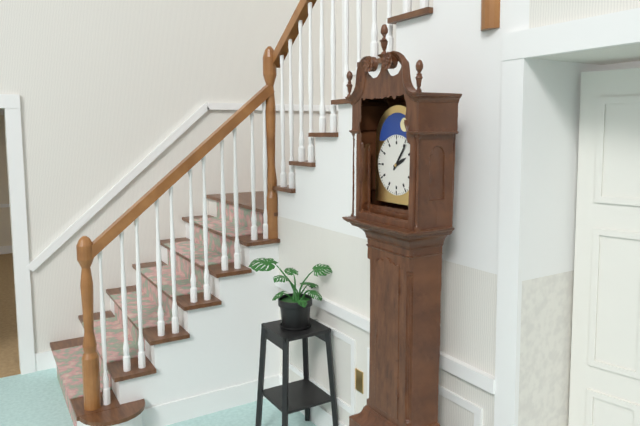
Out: **2:06**
